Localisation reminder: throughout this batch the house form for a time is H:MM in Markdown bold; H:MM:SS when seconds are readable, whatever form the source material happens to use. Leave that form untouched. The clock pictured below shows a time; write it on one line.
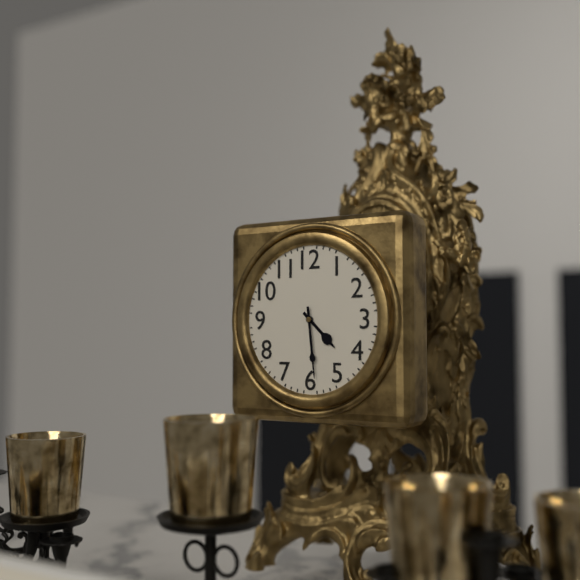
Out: **4:29**
